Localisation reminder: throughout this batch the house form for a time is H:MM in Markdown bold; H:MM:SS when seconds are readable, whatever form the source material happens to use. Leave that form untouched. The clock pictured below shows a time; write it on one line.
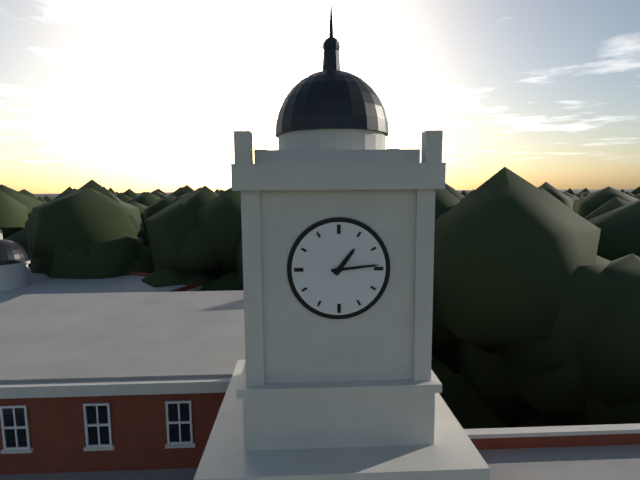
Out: **1:14**
